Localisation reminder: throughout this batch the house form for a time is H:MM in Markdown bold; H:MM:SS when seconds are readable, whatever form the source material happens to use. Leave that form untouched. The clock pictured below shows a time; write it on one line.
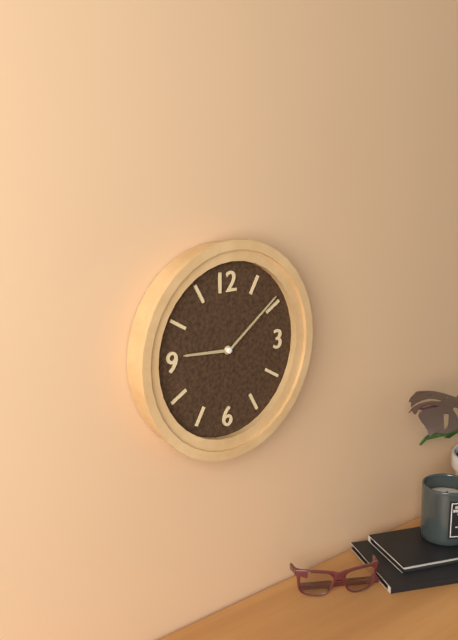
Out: **9:09**
